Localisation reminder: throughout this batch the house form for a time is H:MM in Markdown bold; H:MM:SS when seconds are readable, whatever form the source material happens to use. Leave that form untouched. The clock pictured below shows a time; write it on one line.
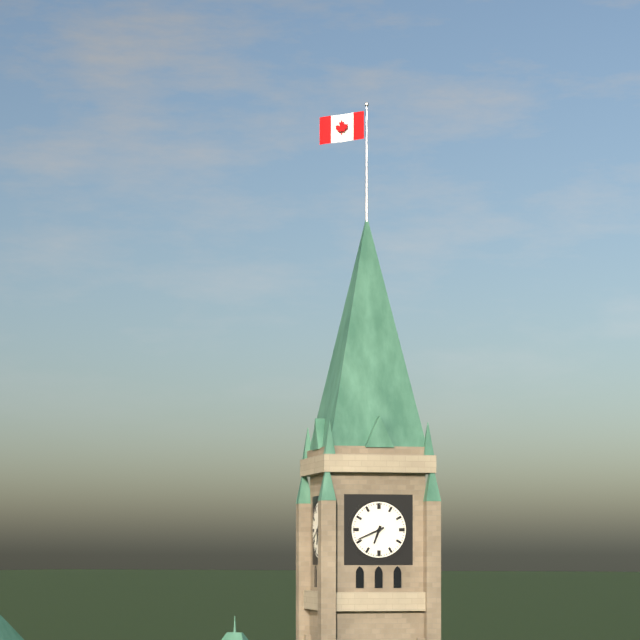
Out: **6:41**
